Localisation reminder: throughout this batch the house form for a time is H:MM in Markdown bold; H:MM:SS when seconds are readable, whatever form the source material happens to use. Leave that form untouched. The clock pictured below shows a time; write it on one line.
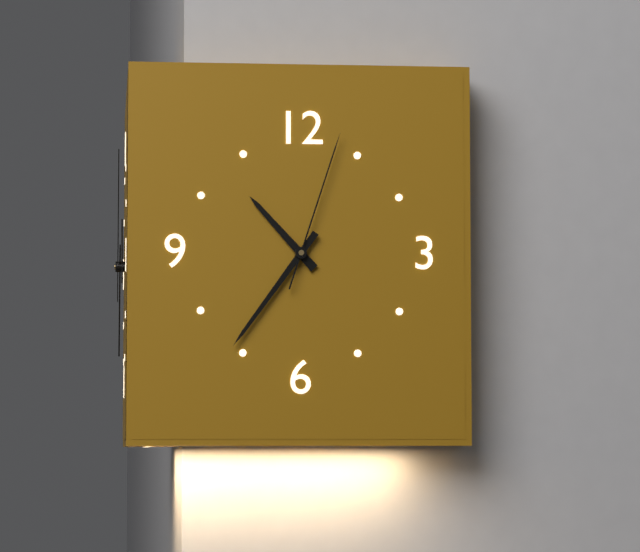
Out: **10:36:03**
